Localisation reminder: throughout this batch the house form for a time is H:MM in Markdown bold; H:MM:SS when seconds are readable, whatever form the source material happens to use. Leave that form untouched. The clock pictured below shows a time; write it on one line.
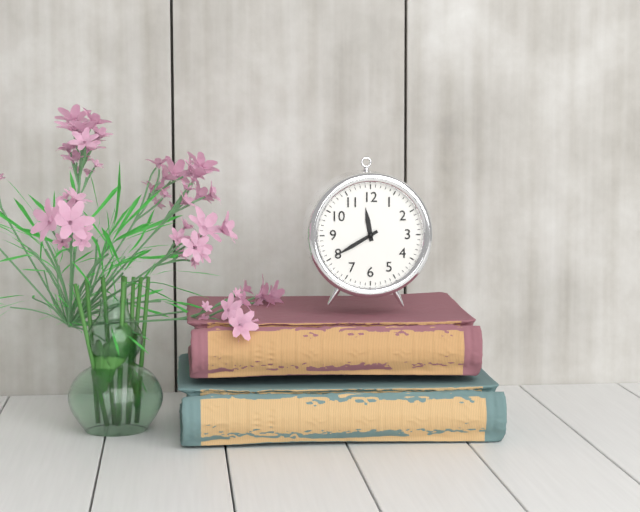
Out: **11:40**
